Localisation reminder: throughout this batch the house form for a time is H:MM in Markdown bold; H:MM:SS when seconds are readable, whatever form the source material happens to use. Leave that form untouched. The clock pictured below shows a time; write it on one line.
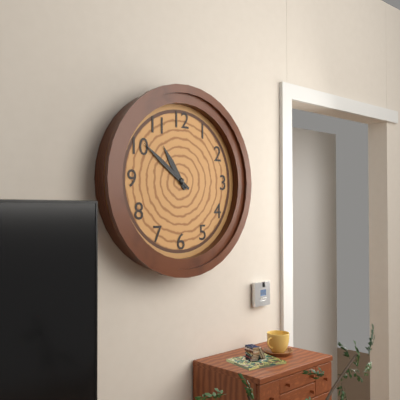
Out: **10:51**
